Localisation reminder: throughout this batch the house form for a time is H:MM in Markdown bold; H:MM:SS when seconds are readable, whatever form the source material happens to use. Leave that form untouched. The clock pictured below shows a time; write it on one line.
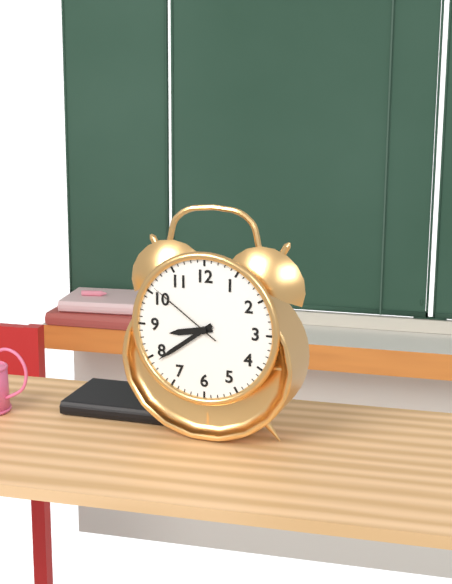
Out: **8:39:51**
